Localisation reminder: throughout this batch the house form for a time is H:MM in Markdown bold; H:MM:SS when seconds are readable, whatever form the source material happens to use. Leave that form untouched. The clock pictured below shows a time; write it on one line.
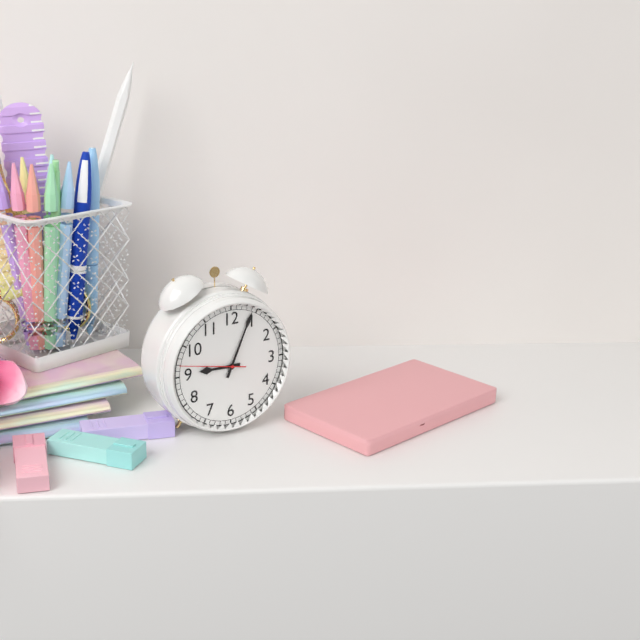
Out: **9:04:47**
